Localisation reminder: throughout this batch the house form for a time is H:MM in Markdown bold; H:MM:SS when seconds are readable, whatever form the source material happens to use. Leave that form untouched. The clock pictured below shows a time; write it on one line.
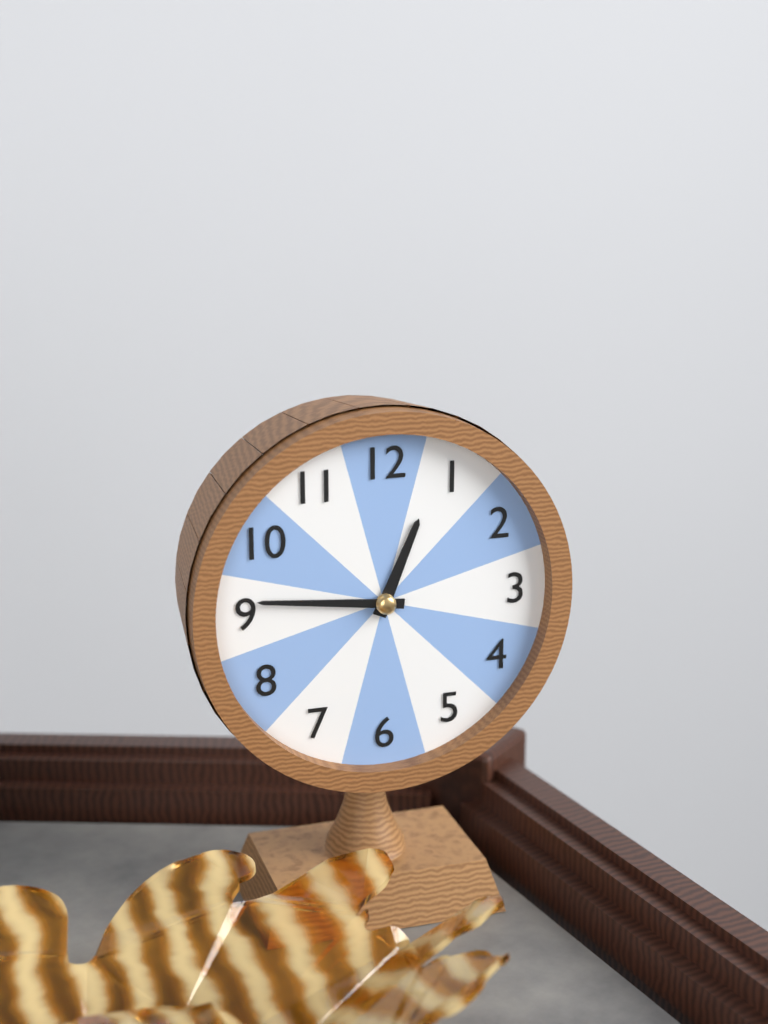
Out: **12:46**
